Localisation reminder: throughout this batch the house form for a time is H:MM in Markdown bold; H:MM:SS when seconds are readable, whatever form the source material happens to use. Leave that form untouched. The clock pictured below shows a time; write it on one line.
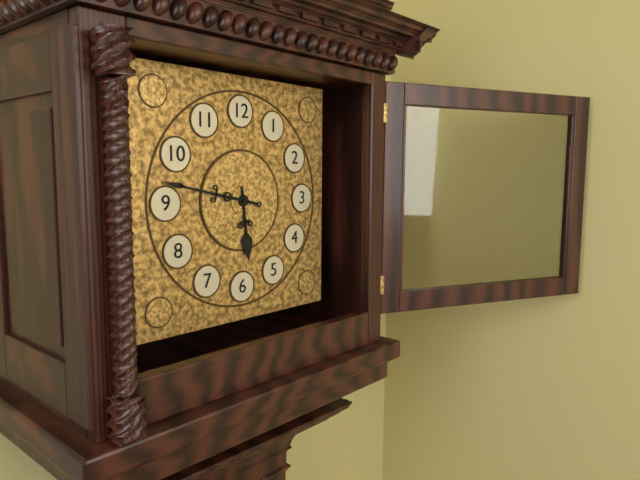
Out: **5:47**
